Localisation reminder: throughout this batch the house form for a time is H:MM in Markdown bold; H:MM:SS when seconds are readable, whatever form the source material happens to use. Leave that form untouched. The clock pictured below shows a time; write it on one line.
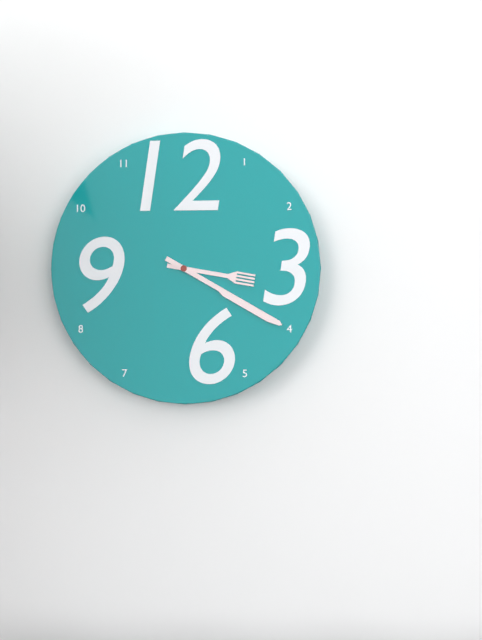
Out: **3:20**
